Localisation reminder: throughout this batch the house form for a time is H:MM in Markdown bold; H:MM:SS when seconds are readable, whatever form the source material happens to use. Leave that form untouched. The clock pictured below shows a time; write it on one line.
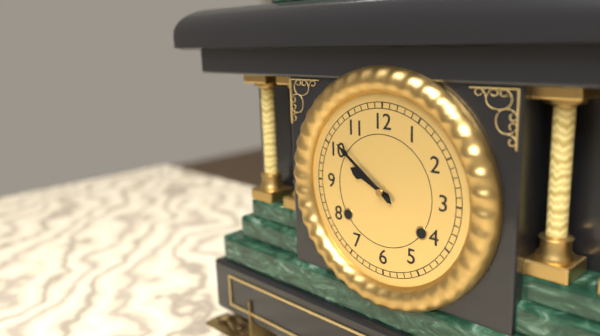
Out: **9:51**
